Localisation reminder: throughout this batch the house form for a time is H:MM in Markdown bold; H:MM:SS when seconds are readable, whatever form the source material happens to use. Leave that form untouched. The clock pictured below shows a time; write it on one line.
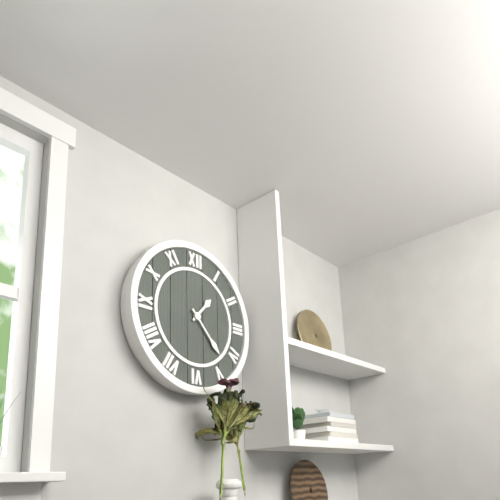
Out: **1:23**
